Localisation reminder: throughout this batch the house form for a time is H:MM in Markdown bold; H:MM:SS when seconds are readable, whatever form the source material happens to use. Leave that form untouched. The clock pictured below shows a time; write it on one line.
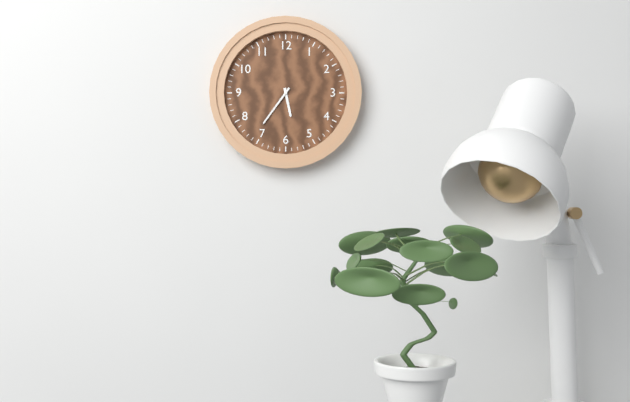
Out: **5:36**
